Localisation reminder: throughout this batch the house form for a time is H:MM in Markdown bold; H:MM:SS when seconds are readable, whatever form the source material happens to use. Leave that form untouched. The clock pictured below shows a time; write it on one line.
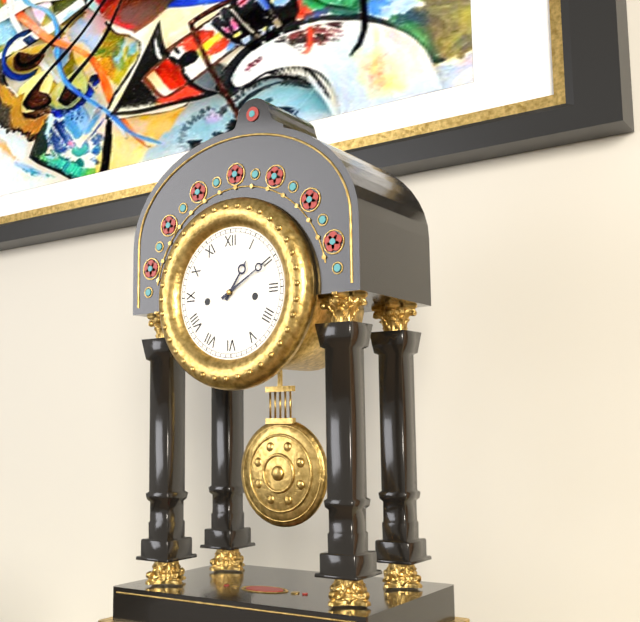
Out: **1:10**
